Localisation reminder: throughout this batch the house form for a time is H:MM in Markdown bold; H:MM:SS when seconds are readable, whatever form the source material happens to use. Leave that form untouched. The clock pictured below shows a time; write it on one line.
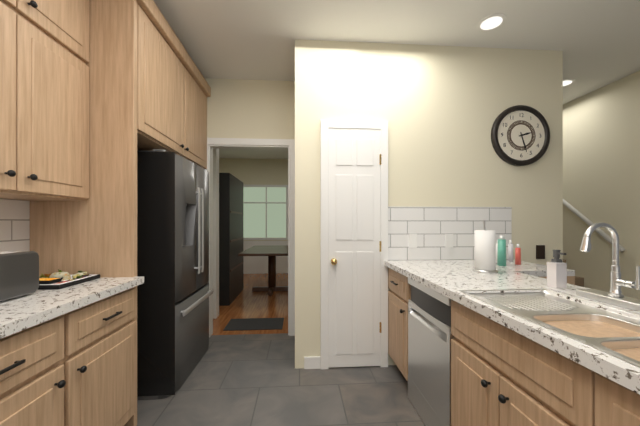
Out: **2:27**
